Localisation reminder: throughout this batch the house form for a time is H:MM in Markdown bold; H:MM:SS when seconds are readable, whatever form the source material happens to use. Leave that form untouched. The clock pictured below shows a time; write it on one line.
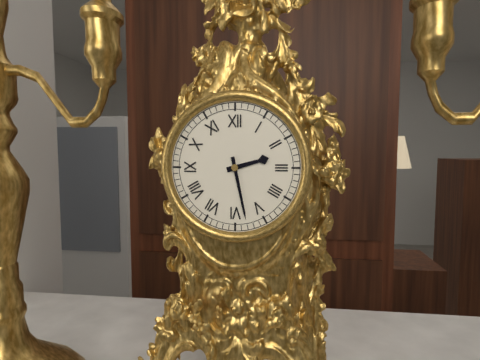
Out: **2:28**
